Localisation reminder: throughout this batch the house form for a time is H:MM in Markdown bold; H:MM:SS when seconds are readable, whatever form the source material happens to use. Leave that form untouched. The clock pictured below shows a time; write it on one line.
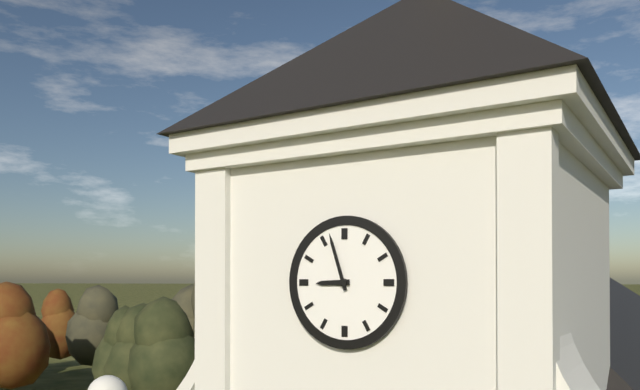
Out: **8:57**
